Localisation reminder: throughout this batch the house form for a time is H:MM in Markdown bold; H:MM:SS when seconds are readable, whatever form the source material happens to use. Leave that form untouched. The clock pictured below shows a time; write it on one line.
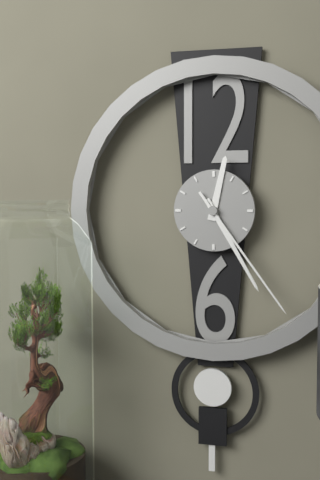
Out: **12:25:24**
